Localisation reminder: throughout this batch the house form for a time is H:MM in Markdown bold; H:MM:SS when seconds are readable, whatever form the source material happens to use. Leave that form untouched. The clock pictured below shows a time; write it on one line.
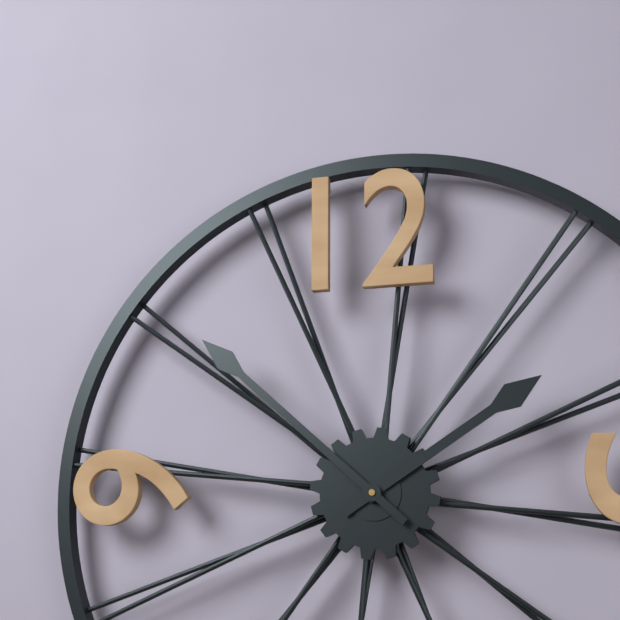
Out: **1:52**
